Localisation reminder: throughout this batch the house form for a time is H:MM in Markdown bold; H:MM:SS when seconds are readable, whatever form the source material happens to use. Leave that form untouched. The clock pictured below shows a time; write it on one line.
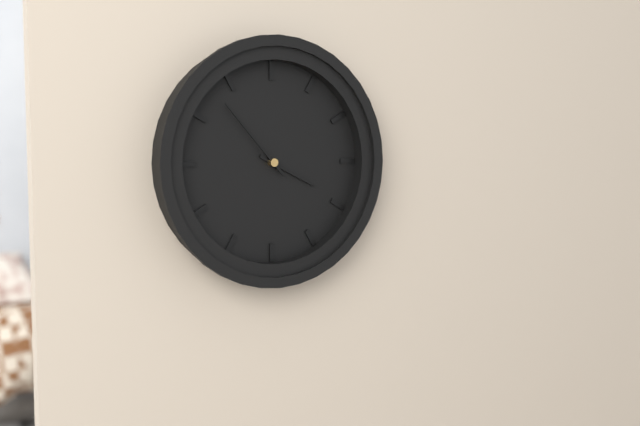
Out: **3:53**
